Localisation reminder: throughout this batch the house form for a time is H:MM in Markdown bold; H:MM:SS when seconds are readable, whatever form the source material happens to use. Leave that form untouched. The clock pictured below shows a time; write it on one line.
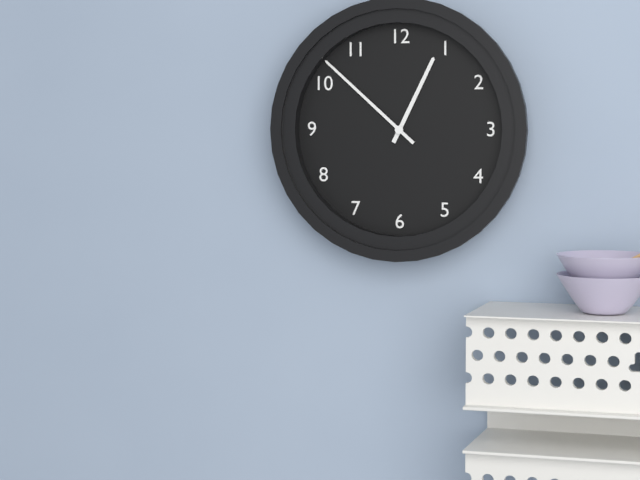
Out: **12:52**
